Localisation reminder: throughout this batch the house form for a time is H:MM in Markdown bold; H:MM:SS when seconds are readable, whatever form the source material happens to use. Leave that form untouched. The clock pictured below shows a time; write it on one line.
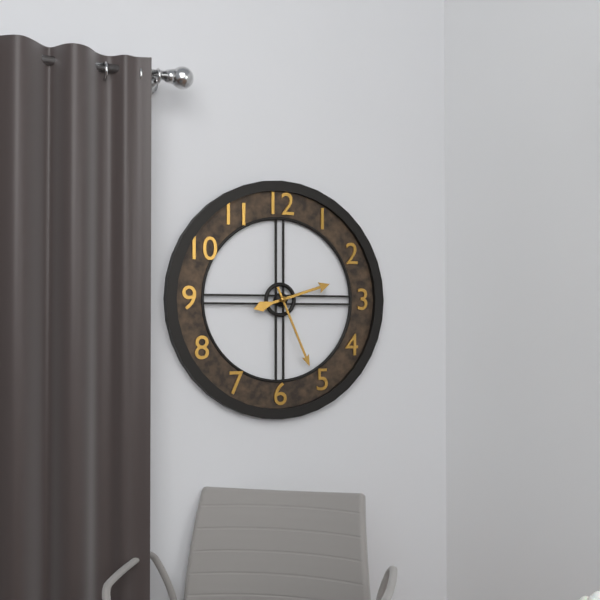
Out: **2:26**
